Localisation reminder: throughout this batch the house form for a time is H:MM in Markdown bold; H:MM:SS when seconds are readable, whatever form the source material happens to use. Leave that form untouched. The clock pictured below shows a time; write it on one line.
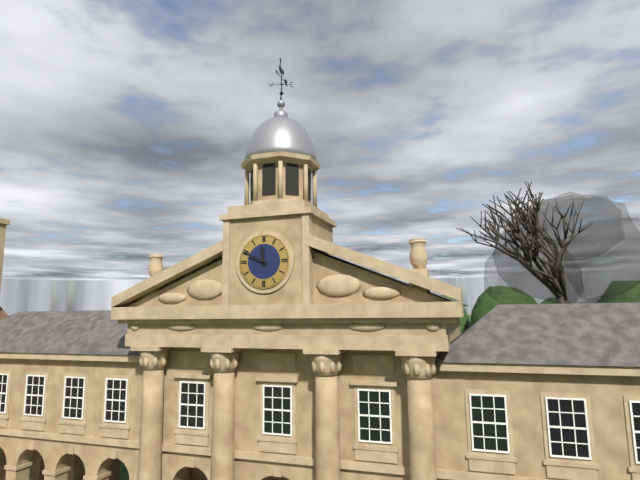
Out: **11:49**
